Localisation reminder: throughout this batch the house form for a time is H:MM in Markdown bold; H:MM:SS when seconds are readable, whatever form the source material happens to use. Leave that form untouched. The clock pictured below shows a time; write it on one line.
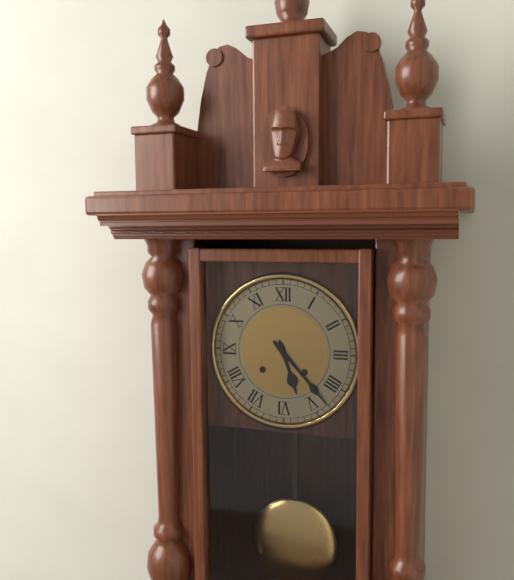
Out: **5:23**
